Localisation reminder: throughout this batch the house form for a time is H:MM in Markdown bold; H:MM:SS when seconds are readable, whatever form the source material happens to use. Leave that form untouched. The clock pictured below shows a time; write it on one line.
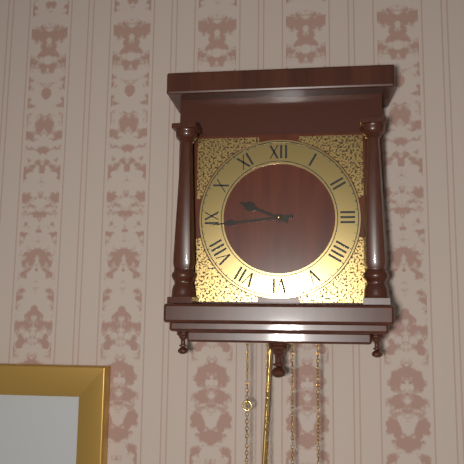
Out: **9:44**
